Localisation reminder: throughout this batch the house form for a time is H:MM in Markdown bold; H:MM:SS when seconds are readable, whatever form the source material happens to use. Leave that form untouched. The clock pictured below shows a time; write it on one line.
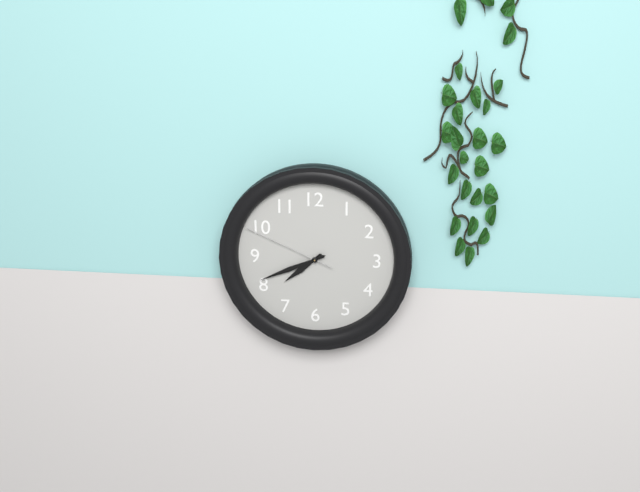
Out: **7:41:49**
